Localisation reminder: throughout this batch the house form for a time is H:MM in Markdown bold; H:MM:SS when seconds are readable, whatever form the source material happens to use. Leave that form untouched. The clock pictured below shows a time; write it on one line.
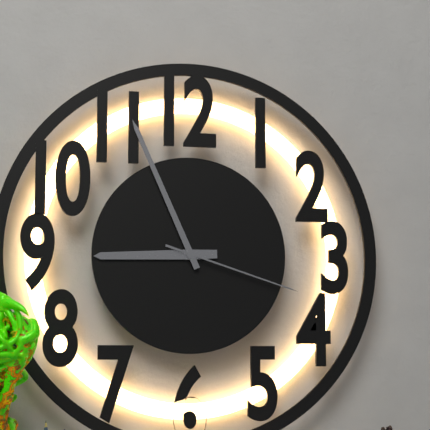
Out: **8:56:18**
